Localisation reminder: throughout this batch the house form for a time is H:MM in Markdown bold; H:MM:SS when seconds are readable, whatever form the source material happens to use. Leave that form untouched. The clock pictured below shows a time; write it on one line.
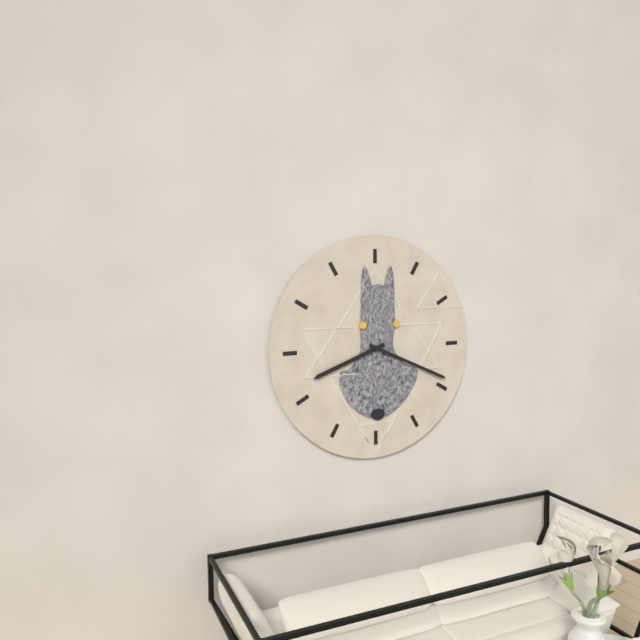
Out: **8:19**
